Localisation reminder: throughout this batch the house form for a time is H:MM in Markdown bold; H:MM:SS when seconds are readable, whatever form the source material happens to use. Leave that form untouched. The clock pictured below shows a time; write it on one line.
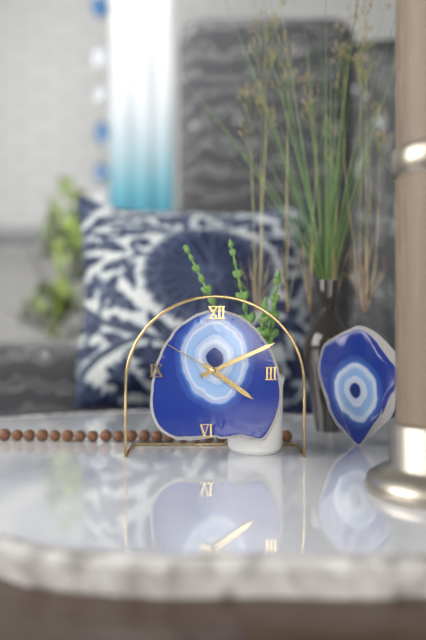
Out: **4:11:50**
